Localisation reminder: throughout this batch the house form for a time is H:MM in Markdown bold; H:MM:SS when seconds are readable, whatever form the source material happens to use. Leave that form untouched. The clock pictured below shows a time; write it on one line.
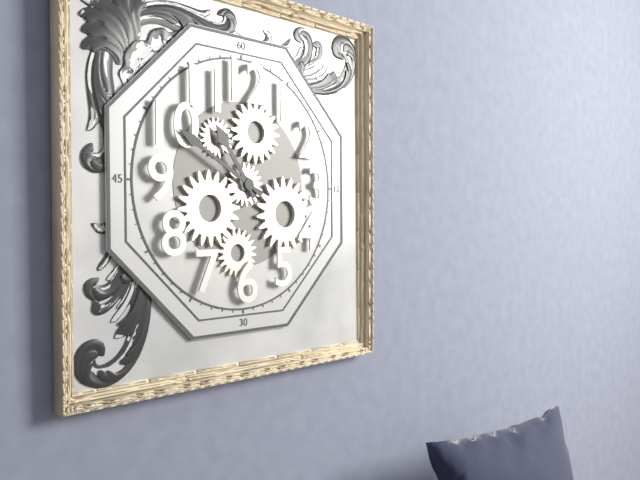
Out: **10:50**
